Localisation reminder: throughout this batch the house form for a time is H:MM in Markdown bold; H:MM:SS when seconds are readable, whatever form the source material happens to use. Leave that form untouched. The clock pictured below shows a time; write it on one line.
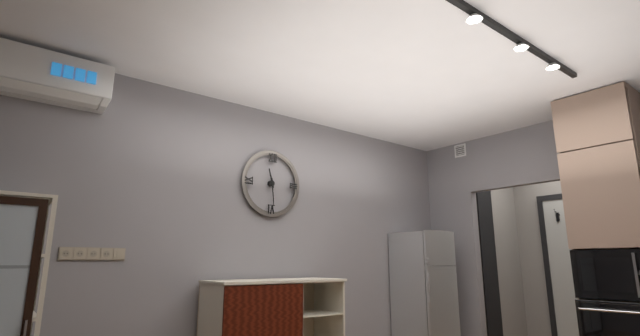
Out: **11:29**
